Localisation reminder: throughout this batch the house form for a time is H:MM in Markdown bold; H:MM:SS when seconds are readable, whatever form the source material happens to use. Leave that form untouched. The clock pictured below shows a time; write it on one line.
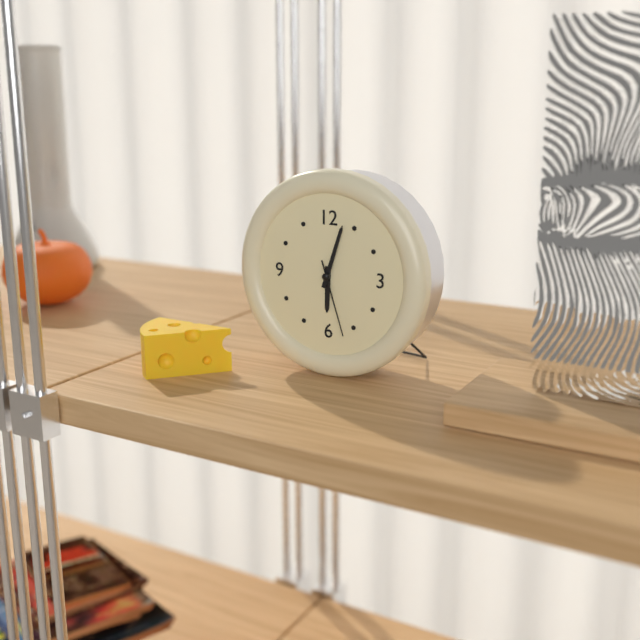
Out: **6:03:27**
